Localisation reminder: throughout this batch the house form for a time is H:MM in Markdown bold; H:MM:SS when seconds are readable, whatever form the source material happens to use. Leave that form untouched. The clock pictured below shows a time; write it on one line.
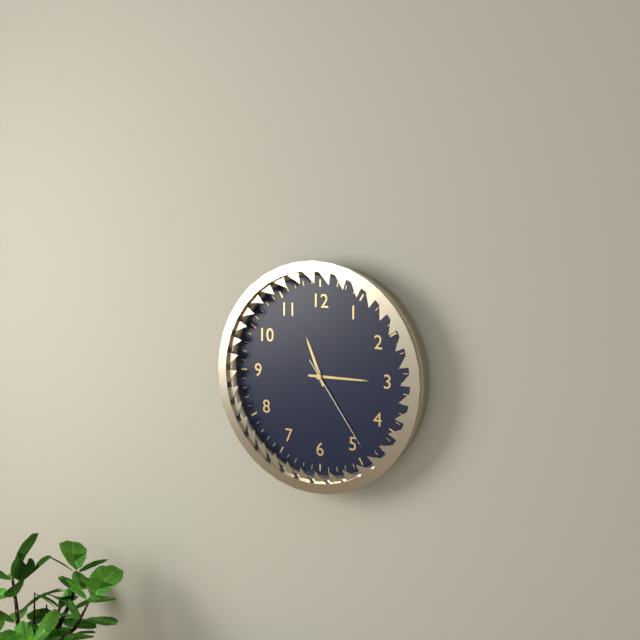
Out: **11:15:24**
